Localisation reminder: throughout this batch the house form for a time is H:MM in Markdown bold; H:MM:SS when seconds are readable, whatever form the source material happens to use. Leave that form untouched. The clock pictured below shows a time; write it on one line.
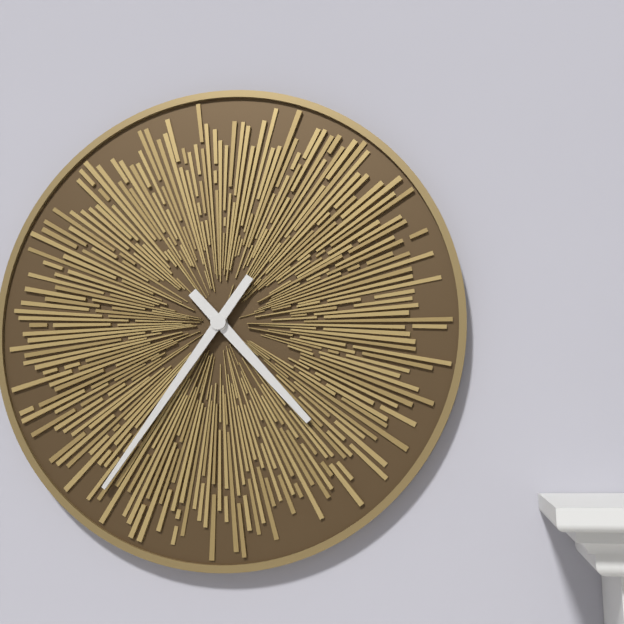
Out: **4:36**
